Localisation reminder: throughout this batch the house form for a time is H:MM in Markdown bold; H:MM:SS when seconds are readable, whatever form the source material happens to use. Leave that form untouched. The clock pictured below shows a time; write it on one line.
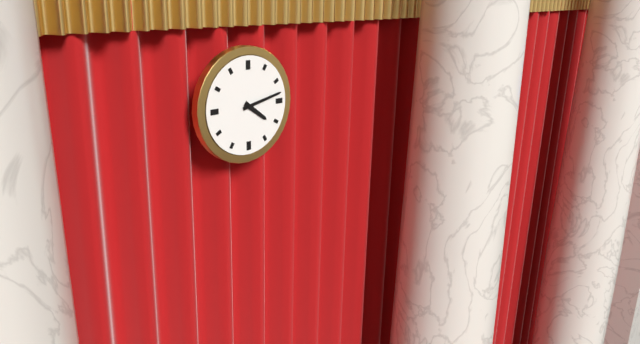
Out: **4:13**
